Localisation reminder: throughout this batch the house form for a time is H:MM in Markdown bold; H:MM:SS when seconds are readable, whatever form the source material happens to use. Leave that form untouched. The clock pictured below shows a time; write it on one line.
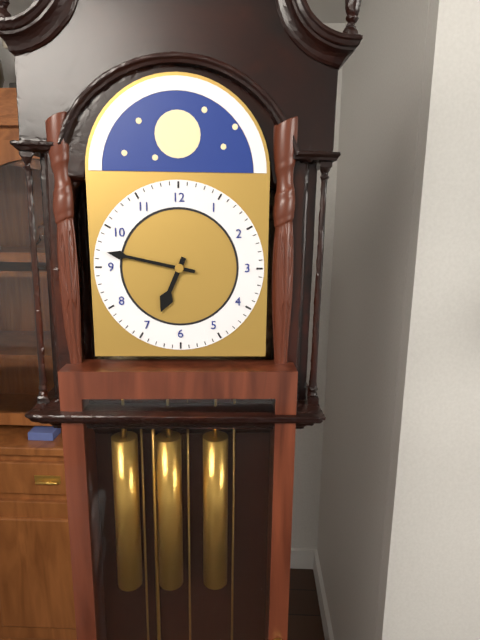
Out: **6:47**
